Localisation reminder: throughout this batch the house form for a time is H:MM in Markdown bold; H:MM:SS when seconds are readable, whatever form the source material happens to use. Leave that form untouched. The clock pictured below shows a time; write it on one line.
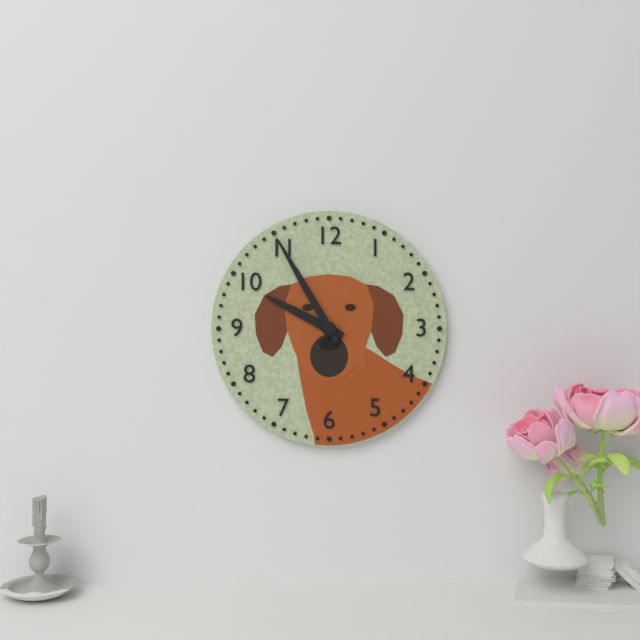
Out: **9:55**
